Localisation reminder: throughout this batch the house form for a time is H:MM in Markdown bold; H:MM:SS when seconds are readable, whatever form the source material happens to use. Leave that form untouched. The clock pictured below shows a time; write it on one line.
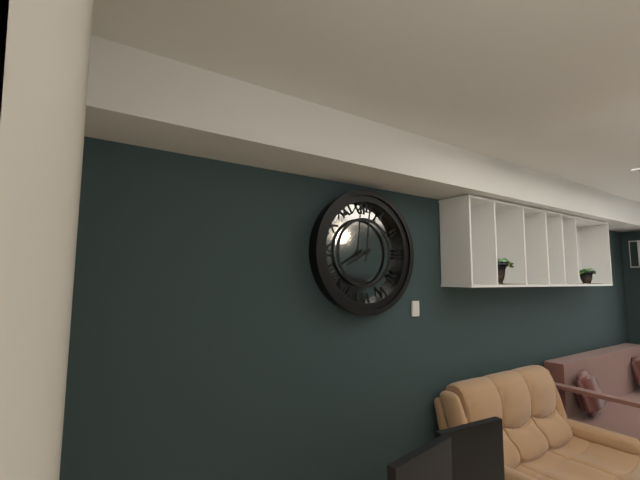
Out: **8:01**
